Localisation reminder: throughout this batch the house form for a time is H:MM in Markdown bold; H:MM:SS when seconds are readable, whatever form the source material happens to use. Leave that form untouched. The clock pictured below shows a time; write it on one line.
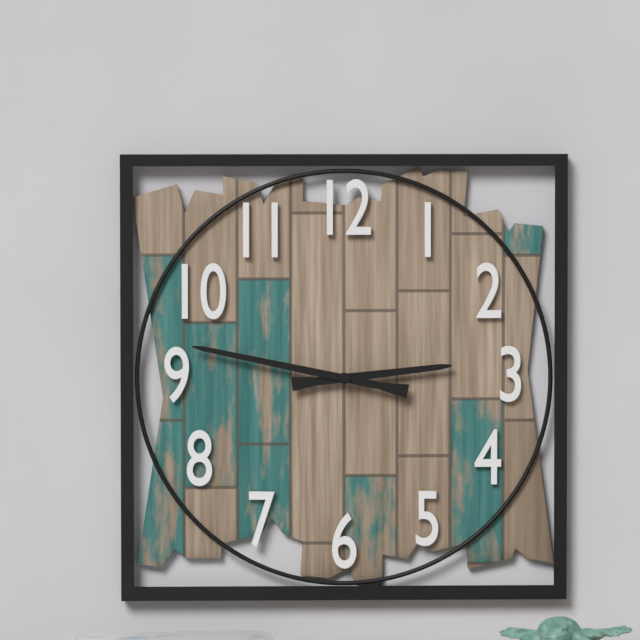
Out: **2:47**
